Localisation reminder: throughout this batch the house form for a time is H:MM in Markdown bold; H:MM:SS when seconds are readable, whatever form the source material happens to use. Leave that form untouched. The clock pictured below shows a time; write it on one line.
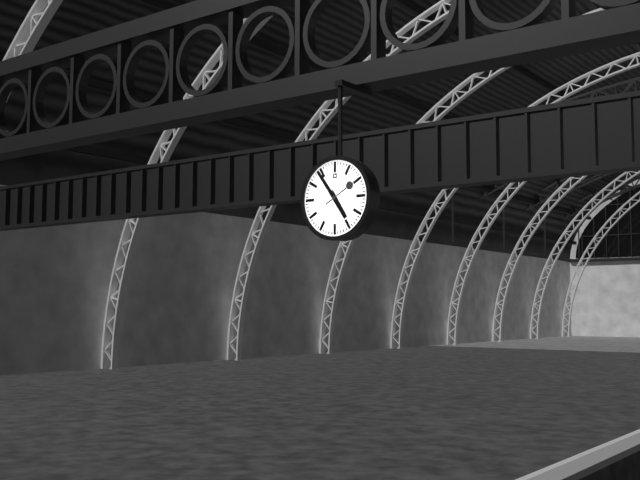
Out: **4:54**
